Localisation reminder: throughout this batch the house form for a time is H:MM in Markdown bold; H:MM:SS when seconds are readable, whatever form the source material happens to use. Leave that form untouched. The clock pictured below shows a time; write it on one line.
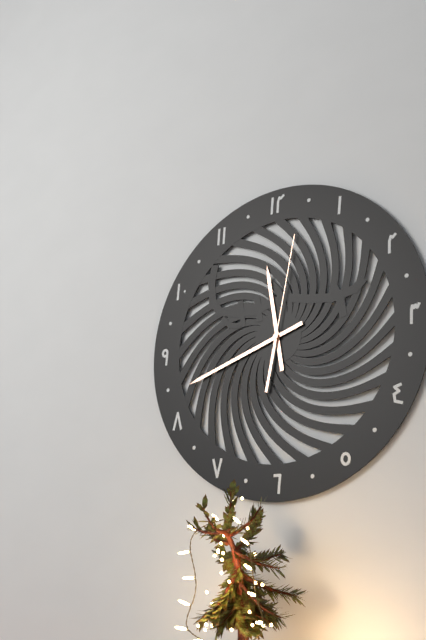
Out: **11:42:02**
